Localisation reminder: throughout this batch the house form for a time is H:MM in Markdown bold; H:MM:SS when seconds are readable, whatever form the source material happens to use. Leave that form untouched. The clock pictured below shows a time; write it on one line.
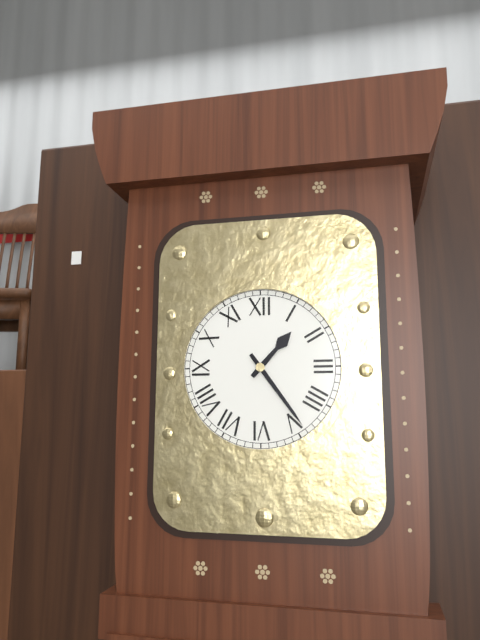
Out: **1:24**
